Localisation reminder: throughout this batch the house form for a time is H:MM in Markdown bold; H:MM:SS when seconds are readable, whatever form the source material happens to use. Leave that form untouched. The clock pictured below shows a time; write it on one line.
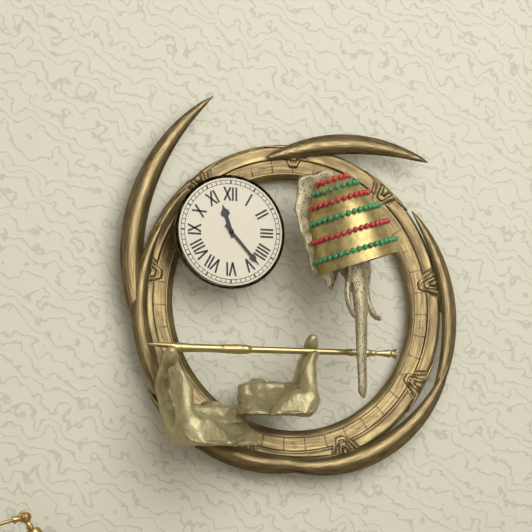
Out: **11:23**
